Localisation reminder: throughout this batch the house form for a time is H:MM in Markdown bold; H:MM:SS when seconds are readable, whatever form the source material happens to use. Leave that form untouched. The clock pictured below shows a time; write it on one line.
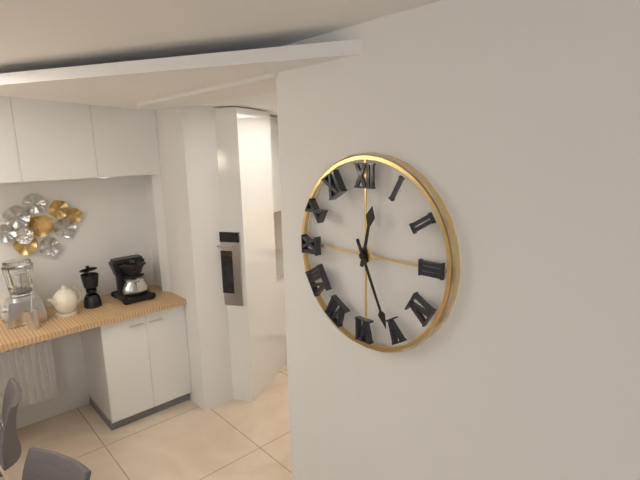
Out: **12:26**
